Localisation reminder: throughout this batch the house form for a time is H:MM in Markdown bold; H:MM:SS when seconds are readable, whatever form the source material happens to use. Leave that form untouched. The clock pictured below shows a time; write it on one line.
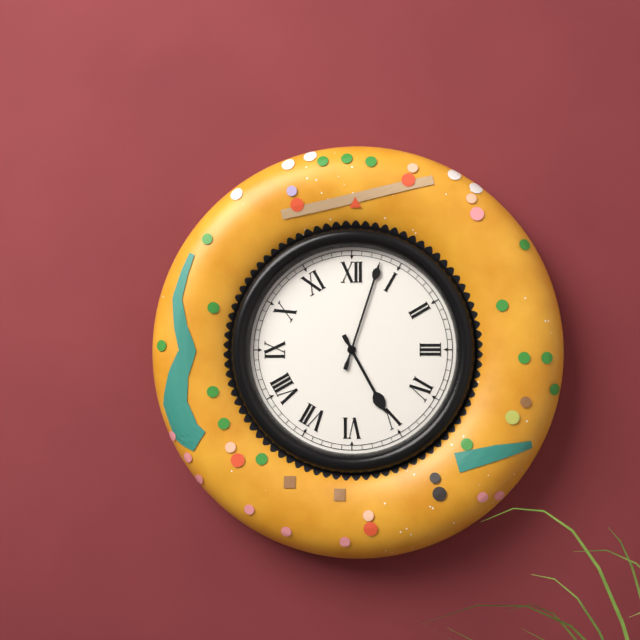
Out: **5:03**
